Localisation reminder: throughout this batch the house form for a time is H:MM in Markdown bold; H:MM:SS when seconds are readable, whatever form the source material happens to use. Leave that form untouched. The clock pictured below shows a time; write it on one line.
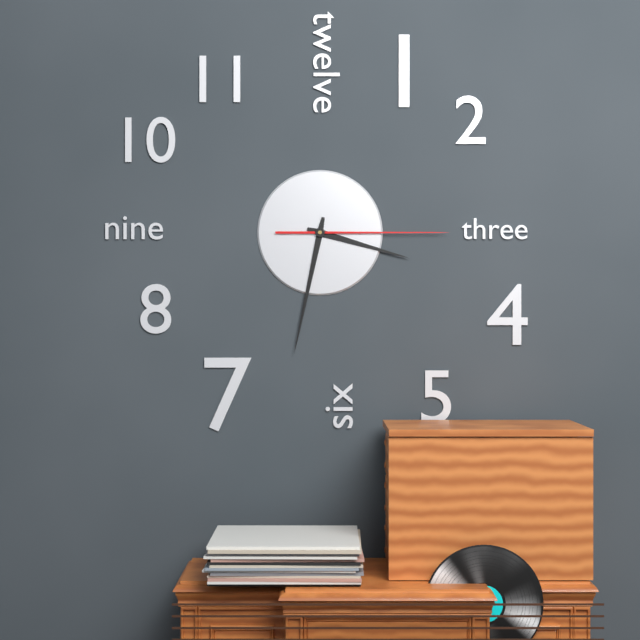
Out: **3:32:15**
